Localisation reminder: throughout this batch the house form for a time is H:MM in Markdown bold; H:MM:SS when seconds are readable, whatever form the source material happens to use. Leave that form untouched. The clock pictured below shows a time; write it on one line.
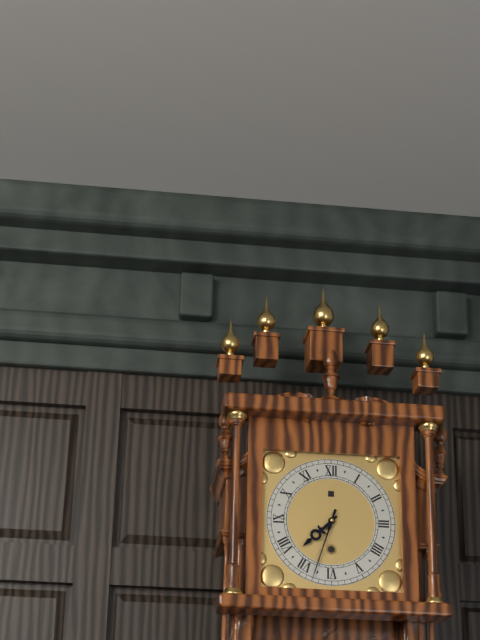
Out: **7:33**
